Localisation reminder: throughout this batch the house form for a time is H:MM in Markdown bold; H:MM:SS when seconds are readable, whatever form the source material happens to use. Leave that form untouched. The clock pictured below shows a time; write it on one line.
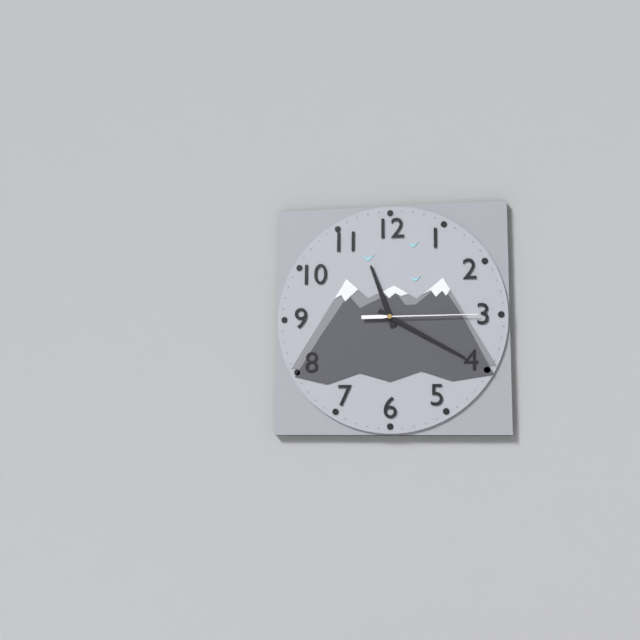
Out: **11:20:15**
